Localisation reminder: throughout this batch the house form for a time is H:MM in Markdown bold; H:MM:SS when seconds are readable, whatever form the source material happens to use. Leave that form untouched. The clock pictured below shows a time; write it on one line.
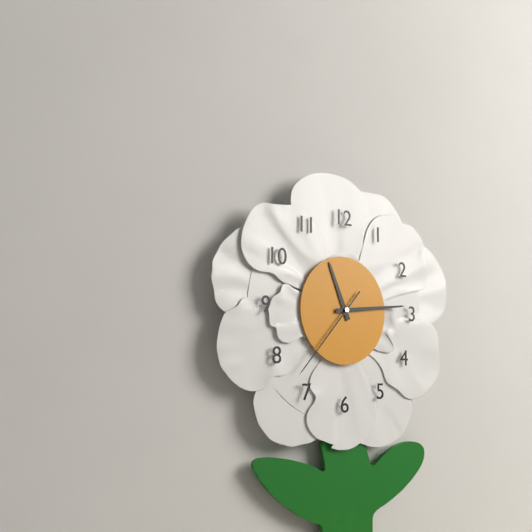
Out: **11:14:37**
